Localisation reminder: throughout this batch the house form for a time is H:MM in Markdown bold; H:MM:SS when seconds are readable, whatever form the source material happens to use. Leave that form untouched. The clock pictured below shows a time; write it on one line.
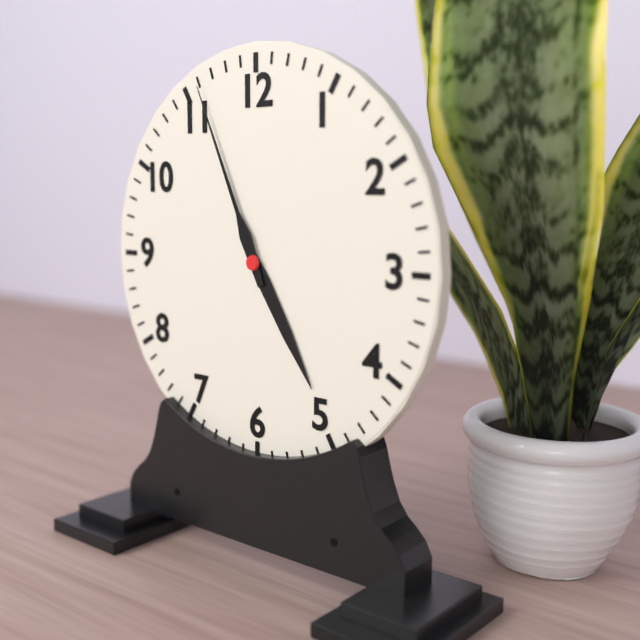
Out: **4:56**
